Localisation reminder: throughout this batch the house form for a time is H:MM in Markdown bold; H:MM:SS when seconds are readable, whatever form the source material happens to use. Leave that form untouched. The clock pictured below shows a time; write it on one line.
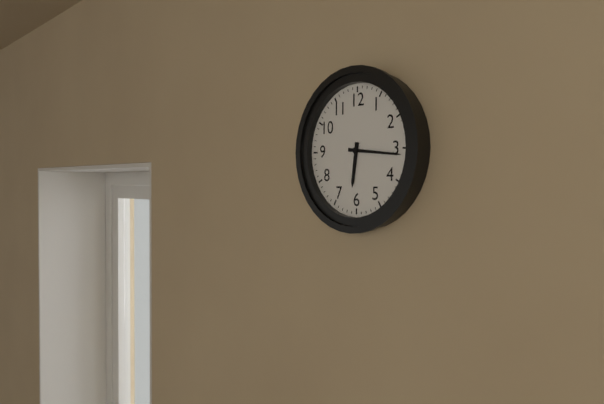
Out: **6:16**
